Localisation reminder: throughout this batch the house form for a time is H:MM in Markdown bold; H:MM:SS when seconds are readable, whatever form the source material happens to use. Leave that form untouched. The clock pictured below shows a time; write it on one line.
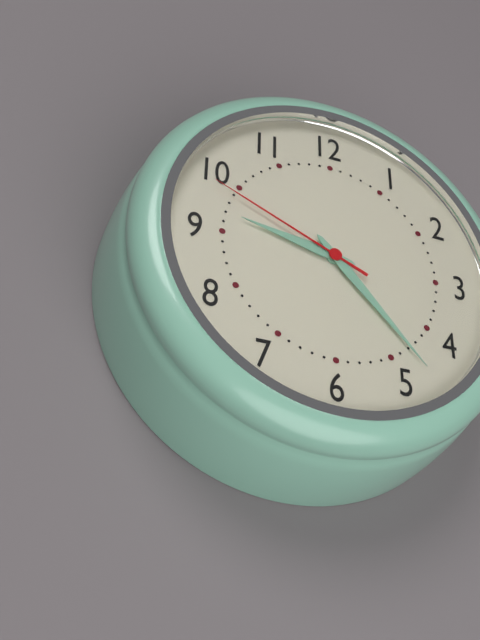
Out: **9:23:49**
